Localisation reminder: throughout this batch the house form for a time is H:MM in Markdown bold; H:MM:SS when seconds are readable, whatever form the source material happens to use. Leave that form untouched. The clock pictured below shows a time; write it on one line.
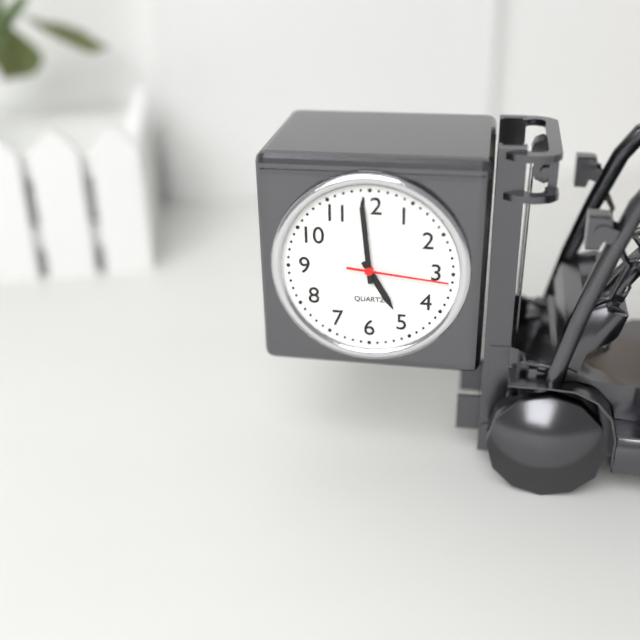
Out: **4:59:16**
